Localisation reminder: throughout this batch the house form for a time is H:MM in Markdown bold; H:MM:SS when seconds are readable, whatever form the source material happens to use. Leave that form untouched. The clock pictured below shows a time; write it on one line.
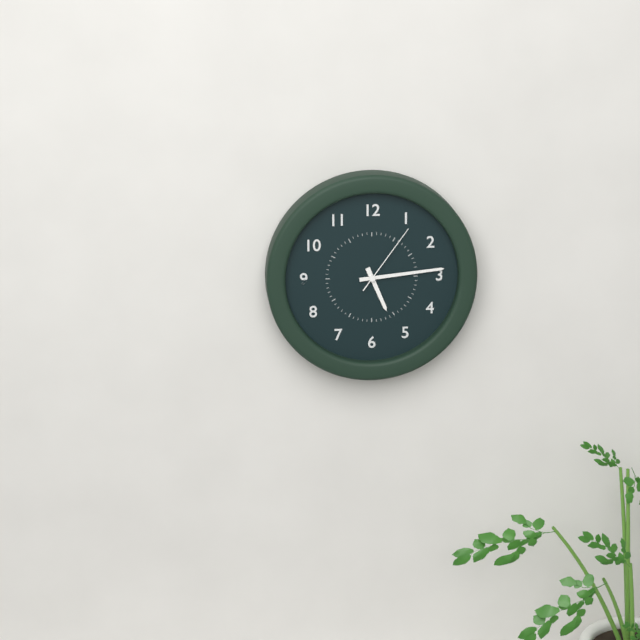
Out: **5:14:06**
